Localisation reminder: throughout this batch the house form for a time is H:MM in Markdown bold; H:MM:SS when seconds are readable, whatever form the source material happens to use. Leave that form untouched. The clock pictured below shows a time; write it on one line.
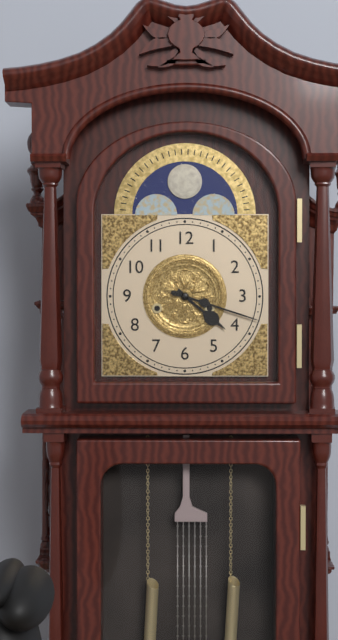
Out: **4:18**
